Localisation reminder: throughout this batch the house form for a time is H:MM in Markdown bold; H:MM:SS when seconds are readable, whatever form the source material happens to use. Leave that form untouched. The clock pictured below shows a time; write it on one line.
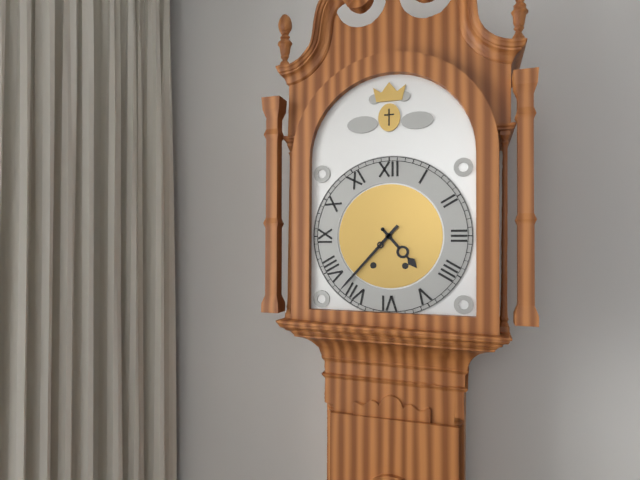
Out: **4:37**
